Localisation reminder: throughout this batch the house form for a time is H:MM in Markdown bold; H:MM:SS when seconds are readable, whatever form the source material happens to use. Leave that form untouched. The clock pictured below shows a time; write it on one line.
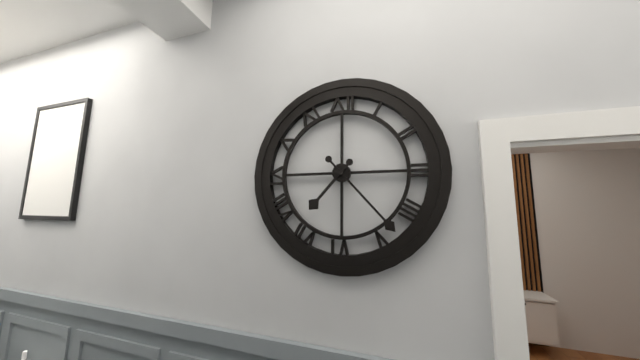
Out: **7:23**
